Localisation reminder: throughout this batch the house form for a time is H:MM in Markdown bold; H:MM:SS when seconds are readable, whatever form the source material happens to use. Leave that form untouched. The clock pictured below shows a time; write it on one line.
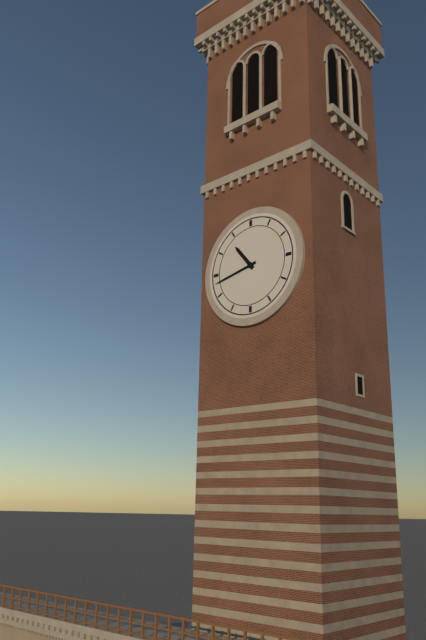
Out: **10:43**
